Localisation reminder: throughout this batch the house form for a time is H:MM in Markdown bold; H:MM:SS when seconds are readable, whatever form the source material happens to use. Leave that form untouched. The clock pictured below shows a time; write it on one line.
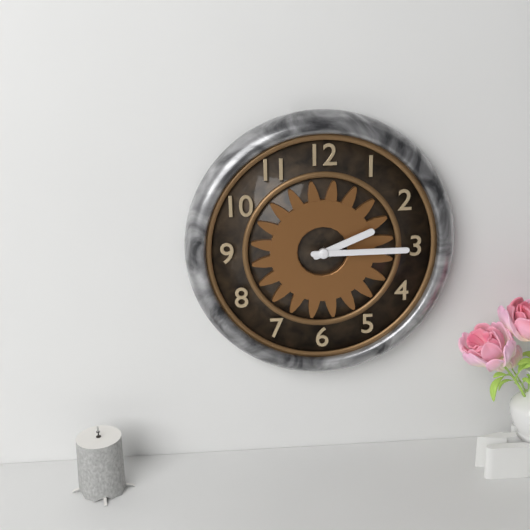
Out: **2:15**
